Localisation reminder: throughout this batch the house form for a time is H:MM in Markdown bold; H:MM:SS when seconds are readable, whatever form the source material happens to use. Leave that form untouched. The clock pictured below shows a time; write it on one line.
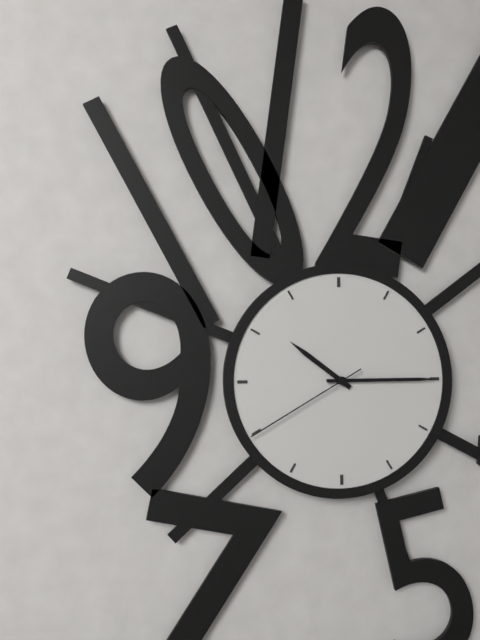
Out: **10:15:40**
